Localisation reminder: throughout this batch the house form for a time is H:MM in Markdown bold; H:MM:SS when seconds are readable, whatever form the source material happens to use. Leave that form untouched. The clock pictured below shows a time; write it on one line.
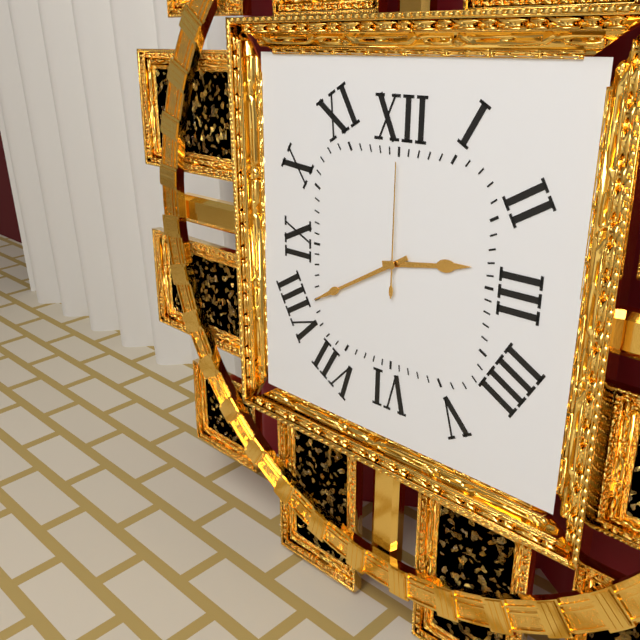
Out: **2:40:00**
